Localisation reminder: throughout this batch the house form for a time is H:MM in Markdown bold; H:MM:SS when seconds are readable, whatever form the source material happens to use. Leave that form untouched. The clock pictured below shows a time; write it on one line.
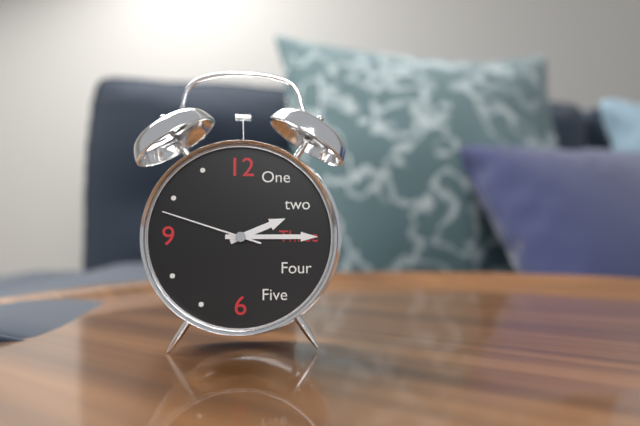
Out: **2:15:48**
